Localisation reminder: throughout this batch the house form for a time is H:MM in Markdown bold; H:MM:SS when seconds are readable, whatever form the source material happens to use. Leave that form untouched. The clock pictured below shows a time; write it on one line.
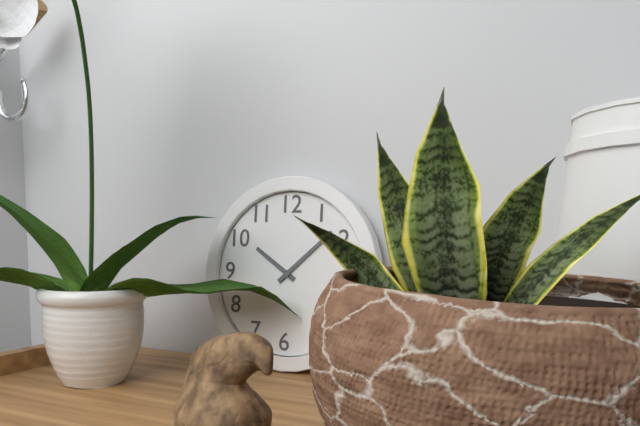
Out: **10:08**
